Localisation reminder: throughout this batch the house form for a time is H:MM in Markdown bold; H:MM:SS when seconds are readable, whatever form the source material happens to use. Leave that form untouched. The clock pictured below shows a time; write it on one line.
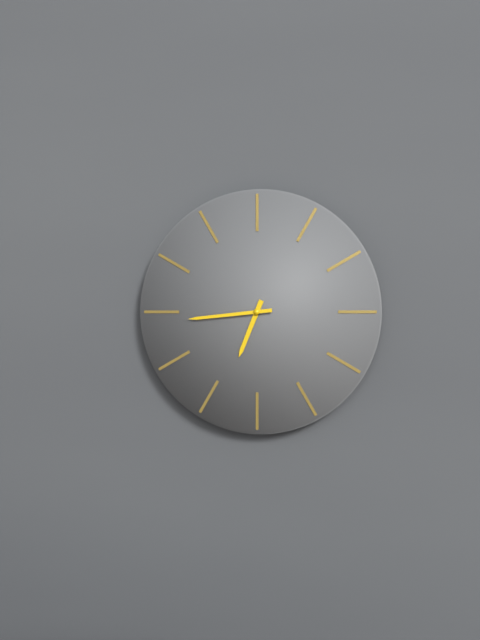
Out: **6:44**
